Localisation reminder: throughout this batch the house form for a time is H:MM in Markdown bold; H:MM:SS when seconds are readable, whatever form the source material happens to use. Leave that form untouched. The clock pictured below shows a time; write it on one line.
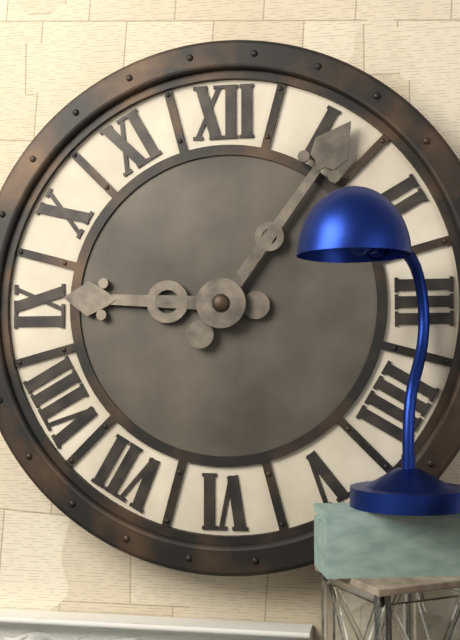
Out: **9:06**
